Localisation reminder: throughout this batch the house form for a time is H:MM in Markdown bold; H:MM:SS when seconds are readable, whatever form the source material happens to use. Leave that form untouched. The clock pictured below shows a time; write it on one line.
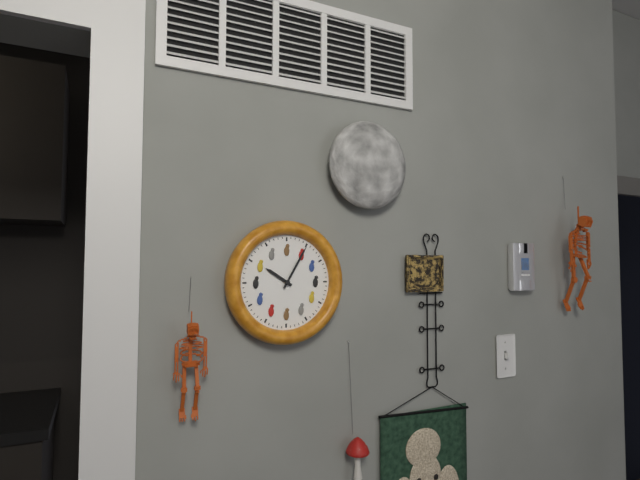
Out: **10:05**
